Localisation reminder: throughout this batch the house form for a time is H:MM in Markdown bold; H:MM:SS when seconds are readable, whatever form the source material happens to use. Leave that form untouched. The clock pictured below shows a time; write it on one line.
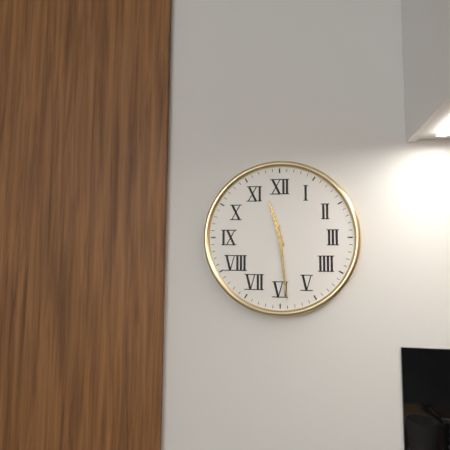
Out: **11:29**
